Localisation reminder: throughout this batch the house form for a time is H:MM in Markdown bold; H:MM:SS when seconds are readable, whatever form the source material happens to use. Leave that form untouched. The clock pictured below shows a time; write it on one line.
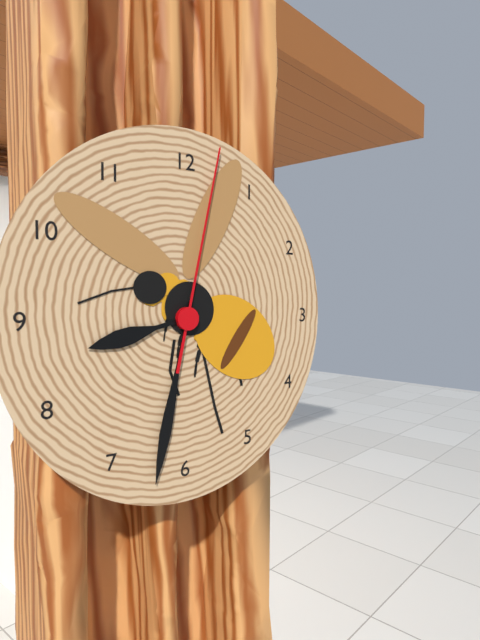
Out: **8:32:02**
